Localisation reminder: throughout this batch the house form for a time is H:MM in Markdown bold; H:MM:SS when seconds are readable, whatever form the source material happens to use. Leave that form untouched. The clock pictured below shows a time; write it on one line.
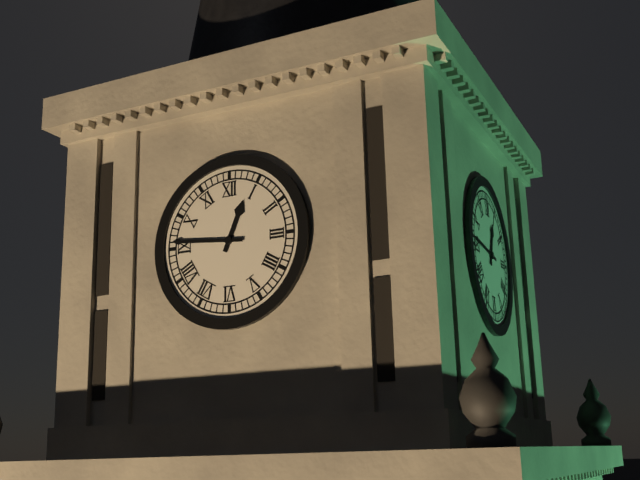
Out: **12:46**
